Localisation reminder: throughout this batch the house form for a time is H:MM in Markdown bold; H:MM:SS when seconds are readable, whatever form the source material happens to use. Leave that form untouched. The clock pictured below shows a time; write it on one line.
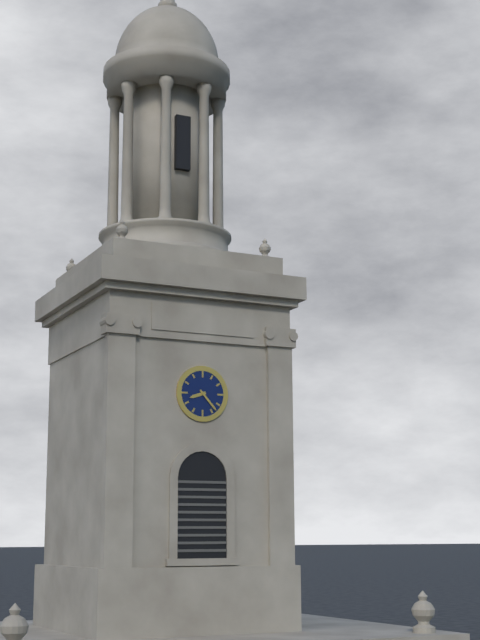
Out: **8:23**
